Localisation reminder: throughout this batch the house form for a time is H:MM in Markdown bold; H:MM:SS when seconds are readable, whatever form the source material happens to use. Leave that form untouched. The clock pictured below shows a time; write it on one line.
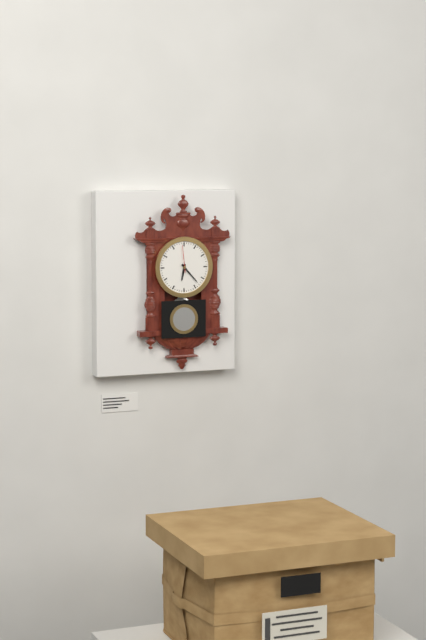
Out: **6:23**
